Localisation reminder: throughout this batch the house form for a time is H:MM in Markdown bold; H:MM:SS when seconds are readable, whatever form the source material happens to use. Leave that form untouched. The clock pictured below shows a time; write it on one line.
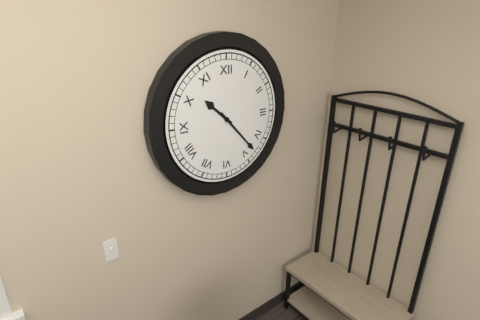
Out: **10:23**
